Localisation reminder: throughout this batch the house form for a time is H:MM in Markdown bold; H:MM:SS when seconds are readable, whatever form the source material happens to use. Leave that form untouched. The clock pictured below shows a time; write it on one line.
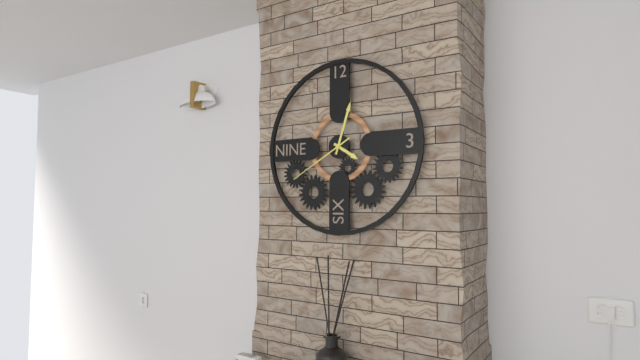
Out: **4:03:40**
